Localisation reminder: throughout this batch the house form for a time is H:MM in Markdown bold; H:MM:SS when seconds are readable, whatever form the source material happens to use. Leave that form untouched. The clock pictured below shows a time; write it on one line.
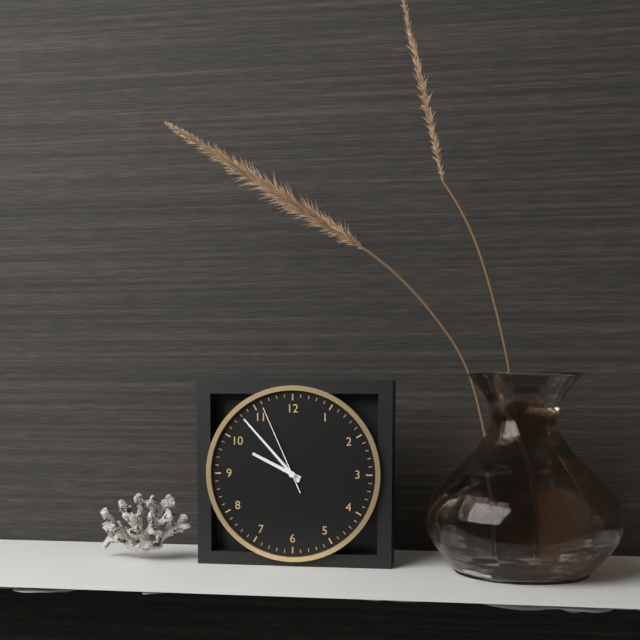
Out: **9:53:56**
